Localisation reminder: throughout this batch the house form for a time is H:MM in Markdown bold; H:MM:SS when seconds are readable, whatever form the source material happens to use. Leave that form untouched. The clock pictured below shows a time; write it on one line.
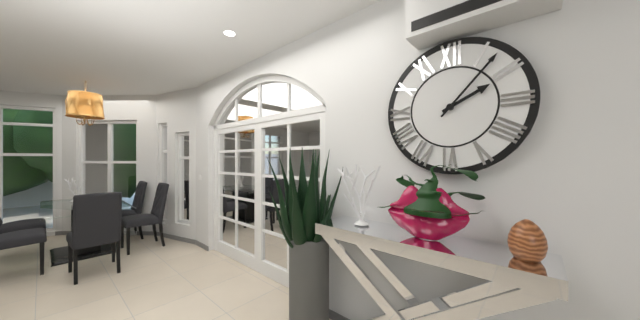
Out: **2:07**
